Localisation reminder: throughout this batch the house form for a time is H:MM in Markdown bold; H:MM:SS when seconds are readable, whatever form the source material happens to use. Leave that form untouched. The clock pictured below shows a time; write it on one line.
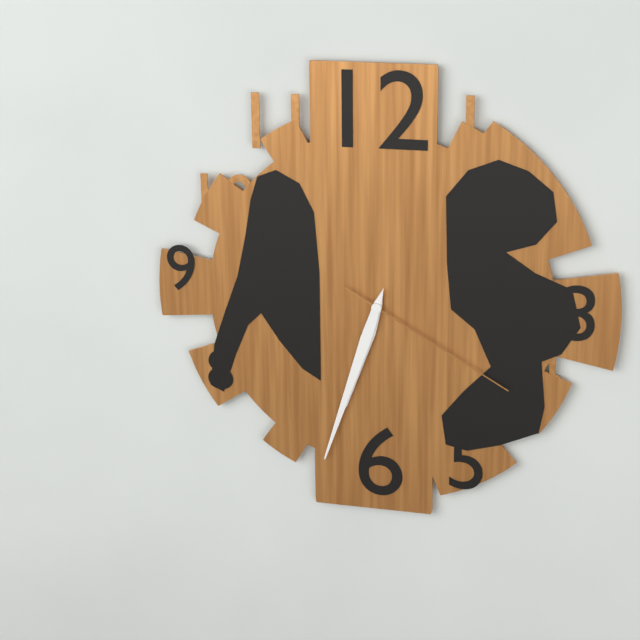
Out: **6:33:20**
